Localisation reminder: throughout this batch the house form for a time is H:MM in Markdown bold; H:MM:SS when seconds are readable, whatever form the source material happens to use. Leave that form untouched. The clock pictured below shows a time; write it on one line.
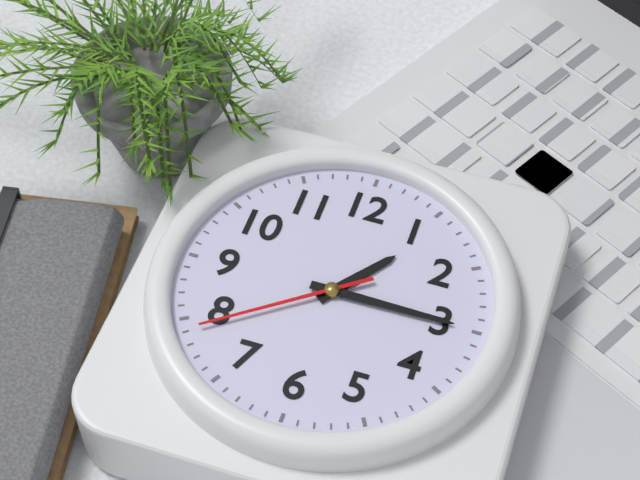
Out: **1:15:39**
